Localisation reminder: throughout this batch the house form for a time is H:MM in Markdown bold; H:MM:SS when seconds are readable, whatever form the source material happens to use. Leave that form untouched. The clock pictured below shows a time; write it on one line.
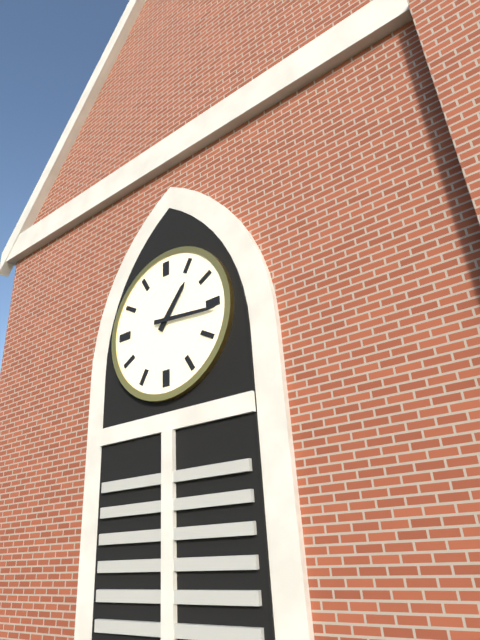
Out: **1:16**
